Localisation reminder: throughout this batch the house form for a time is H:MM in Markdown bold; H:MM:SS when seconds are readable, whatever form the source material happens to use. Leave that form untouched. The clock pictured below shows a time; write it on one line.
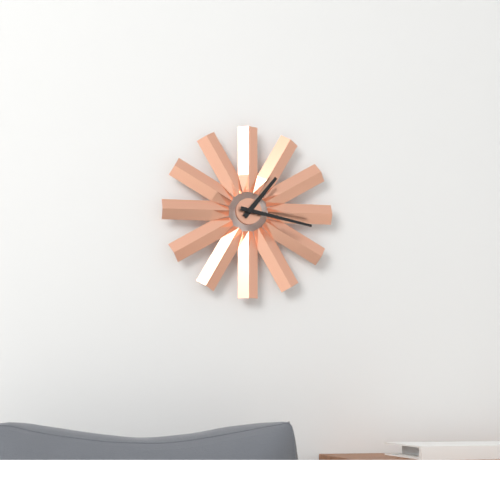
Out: **1:17**
